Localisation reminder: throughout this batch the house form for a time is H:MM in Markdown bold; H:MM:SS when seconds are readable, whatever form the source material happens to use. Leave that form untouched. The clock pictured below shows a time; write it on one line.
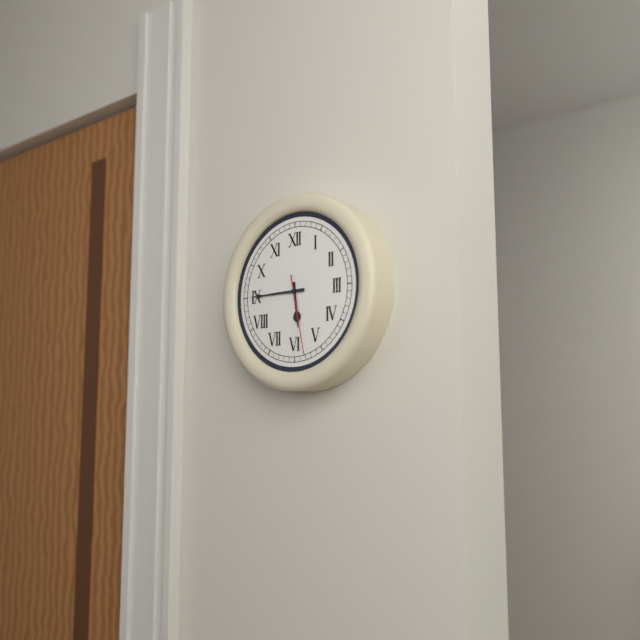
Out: **5:45:28**
